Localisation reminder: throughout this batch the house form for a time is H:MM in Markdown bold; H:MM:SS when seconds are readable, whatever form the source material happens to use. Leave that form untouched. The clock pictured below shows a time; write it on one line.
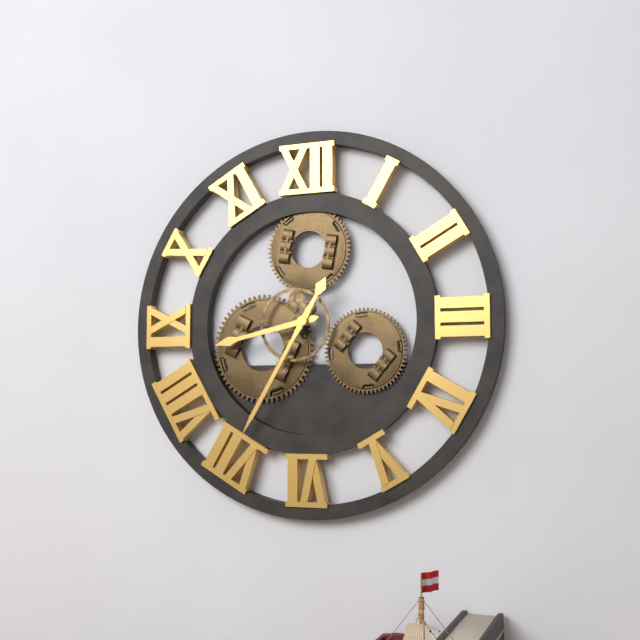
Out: **8:35**
